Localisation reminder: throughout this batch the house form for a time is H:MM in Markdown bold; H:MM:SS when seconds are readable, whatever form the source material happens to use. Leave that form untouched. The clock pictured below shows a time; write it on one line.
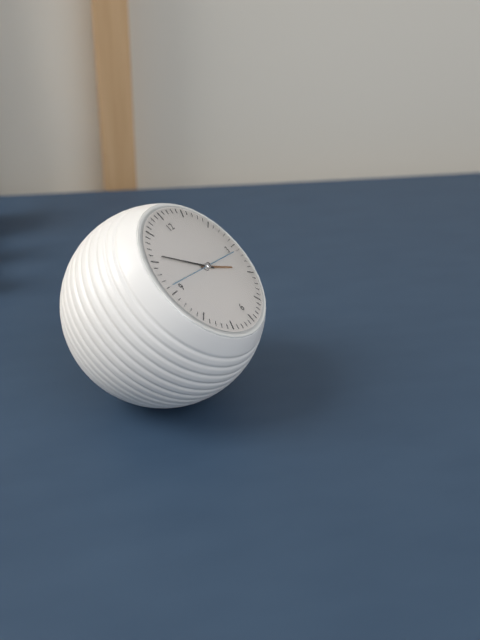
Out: **3:51**
